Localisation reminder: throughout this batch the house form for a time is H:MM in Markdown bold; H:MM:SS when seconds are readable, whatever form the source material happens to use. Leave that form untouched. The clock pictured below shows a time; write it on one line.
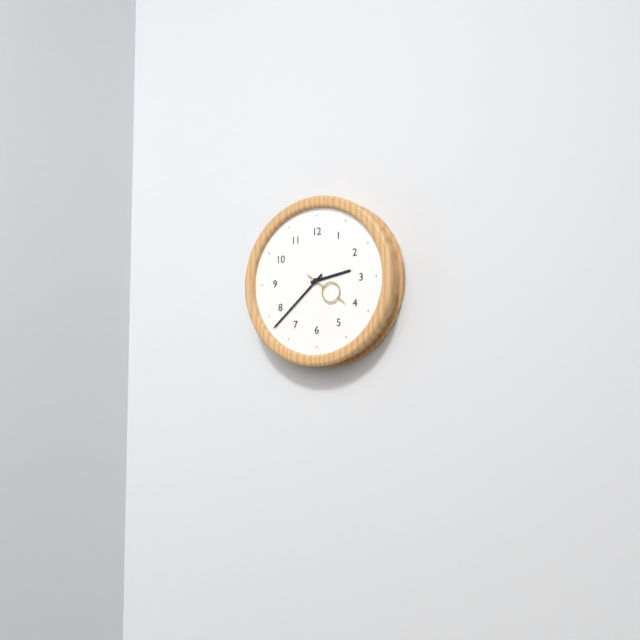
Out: **2:38**
